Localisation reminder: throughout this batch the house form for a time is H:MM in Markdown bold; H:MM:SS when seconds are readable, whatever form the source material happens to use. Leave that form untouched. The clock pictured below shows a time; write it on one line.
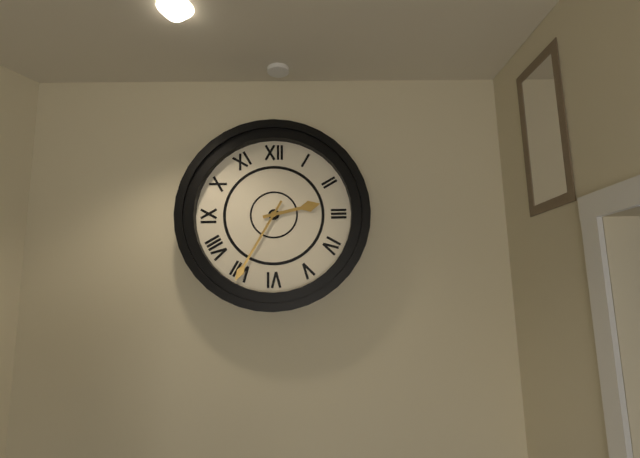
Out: **2:35**
